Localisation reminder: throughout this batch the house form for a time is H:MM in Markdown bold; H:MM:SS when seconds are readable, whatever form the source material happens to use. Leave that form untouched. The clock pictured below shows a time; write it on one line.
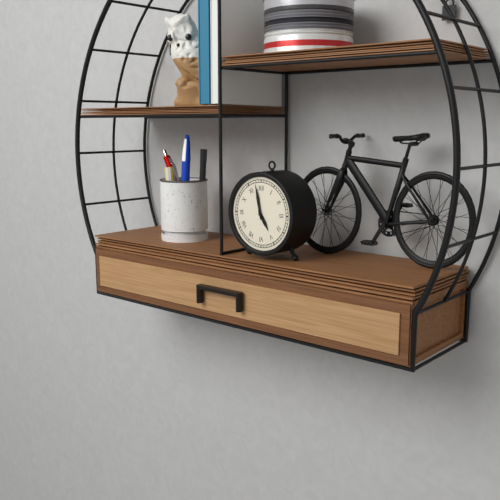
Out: **4:58**
